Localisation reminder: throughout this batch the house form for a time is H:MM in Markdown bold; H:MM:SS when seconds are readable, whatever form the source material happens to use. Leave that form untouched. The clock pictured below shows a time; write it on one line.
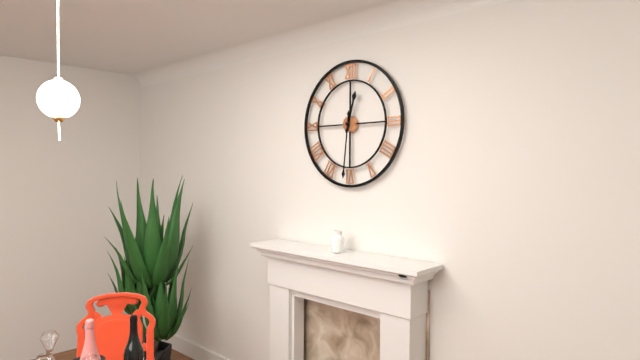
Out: **12:31**
